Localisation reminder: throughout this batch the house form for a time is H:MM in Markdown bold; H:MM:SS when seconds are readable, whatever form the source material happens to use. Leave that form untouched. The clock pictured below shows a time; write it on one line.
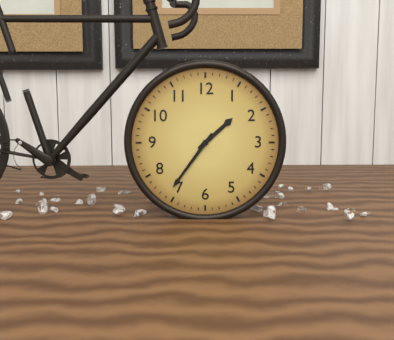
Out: **1:36**
